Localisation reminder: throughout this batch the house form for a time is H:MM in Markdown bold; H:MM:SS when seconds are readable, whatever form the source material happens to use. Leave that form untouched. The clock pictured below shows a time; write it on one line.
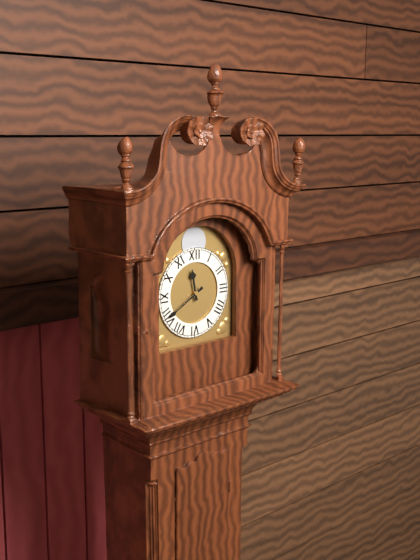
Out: **11:40**
